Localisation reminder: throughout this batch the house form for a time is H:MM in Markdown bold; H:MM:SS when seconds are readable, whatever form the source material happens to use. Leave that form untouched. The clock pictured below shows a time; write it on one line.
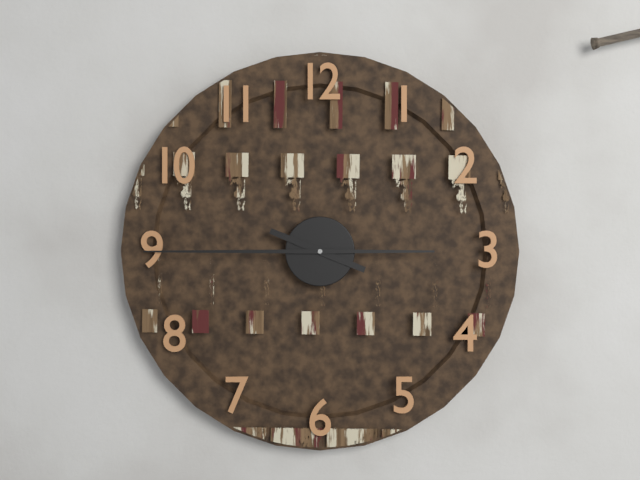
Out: **9:45**
